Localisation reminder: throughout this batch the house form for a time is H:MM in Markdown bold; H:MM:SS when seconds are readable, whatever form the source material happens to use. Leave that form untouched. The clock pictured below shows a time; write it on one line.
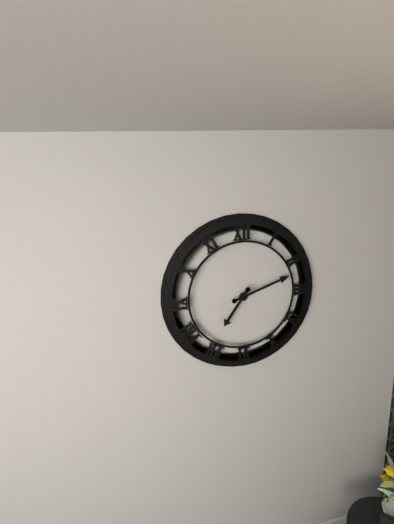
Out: **7:12**
